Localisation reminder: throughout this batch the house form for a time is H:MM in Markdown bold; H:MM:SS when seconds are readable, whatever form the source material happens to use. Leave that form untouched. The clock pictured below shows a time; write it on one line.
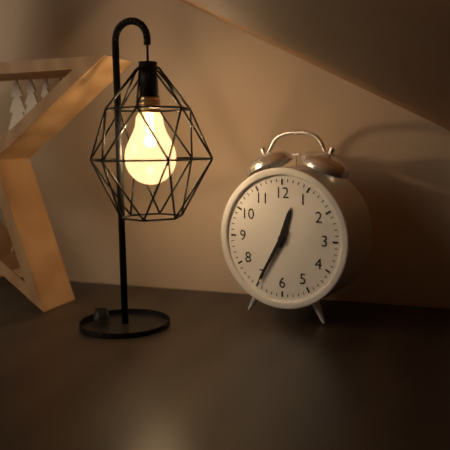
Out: **12:35**
